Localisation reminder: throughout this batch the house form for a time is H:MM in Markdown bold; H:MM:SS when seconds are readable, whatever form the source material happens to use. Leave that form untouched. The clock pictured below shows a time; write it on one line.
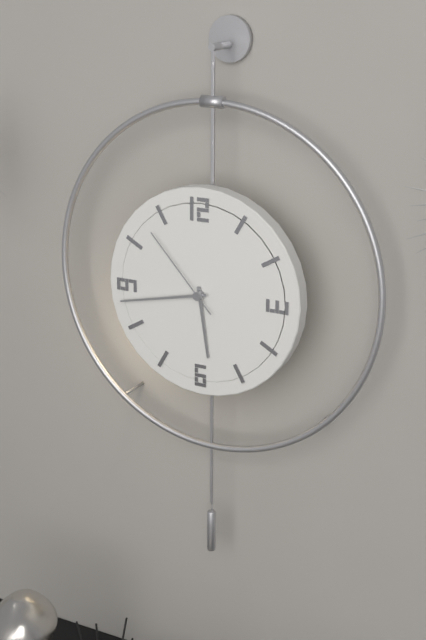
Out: **5:43:53**
